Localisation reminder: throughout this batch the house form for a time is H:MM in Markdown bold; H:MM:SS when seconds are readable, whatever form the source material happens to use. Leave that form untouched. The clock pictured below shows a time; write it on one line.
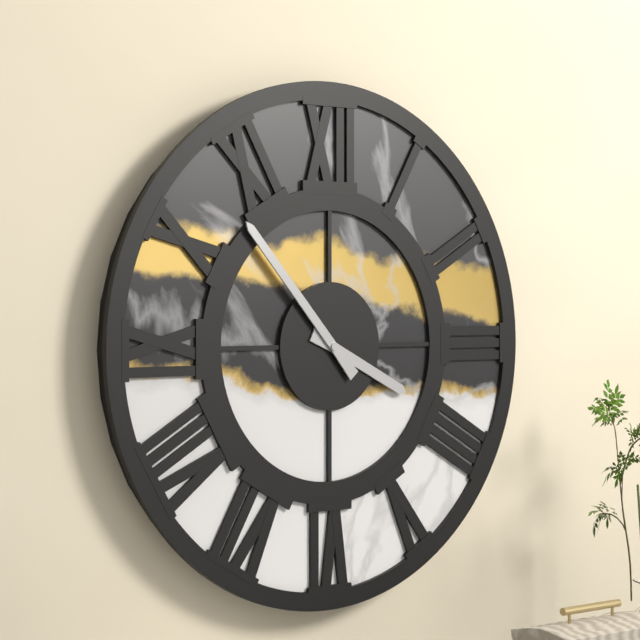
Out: **3:53**
